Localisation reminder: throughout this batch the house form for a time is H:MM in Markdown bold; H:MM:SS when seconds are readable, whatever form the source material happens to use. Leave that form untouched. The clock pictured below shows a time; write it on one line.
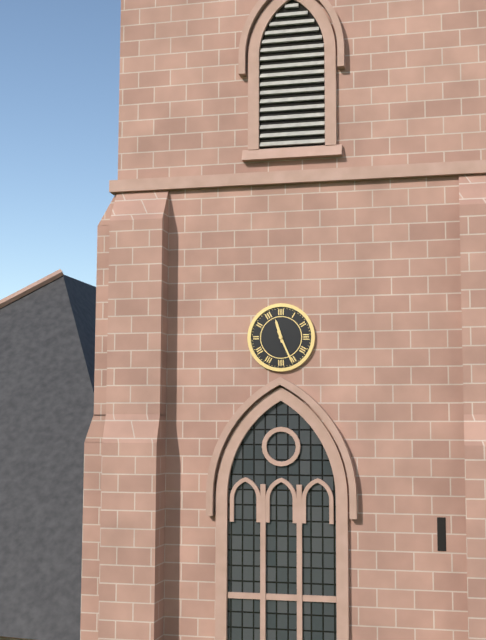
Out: **11:26**
